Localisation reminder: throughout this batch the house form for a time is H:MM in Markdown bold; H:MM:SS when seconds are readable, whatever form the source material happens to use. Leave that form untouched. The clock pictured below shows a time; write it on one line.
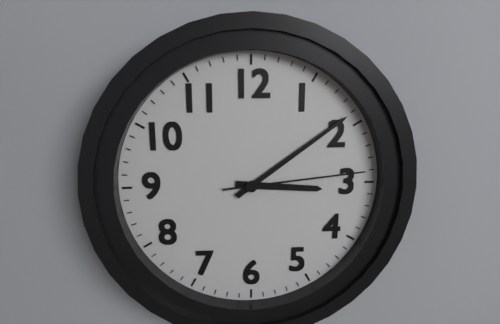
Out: **3:09:14**
